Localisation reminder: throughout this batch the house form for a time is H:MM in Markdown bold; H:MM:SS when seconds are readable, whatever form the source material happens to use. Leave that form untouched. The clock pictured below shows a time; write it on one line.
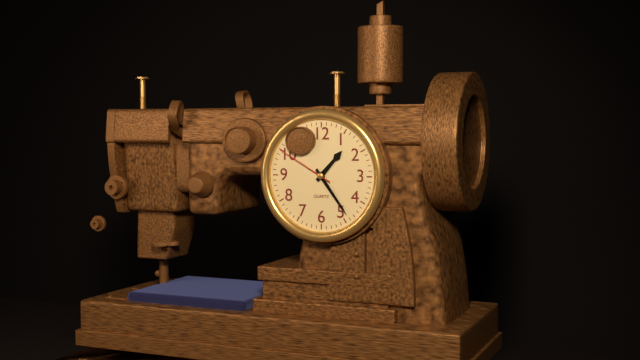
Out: **1:24:50**
